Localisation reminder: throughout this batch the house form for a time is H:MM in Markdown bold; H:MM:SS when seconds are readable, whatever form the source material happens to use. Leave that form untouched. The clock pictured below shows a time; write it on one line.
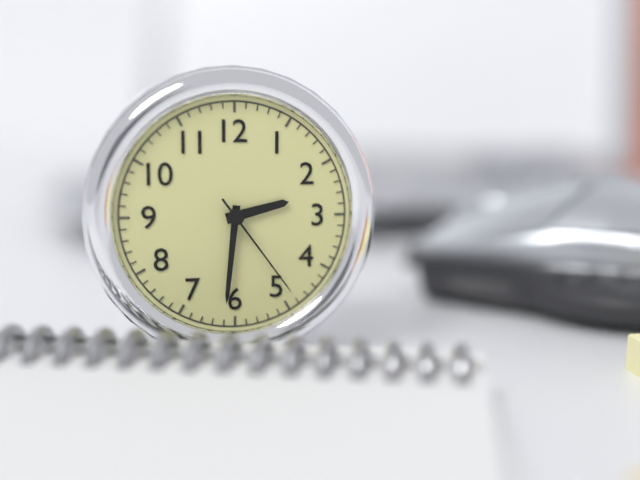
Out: **2:31:24**
